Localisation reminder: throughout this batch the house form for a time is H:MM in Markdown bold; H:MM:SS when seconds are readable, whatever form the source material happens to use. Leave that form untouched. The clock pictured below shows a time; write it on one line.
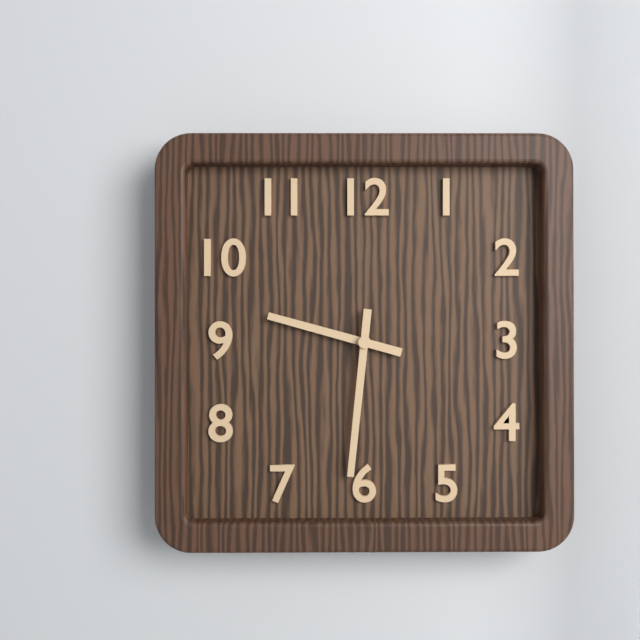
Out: **9:31**
